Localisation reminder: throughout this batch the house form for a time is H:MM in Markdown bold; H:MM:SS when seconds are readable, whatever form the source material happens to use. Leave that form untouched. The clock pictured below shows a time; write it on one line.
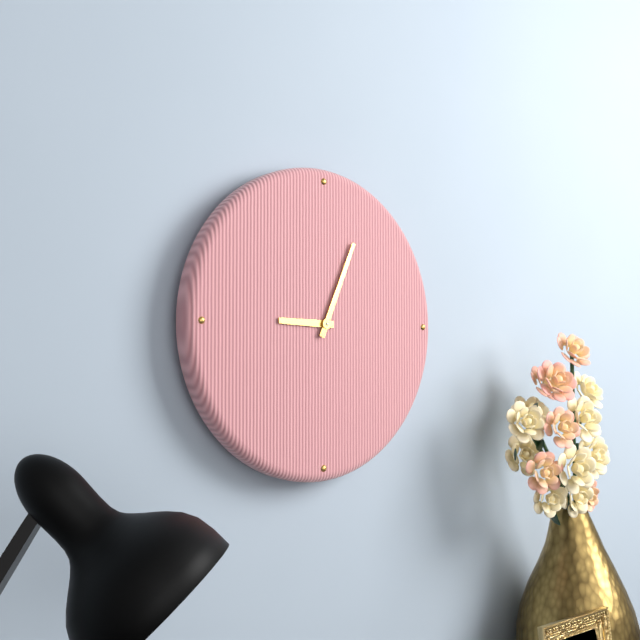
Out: **9:04**
